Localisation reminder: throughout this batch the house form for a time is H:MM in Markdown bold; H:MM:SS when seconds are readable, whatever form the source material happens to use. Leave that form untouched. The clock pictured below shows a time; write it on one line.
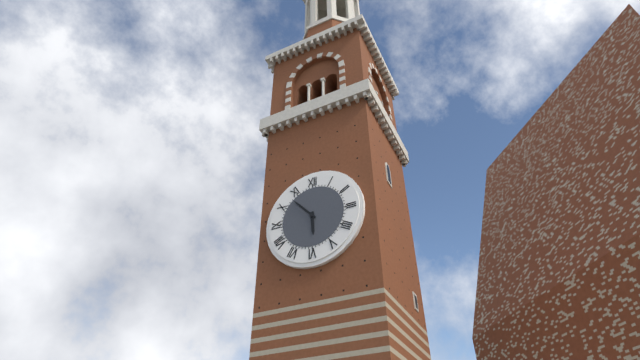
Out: **5:53**
